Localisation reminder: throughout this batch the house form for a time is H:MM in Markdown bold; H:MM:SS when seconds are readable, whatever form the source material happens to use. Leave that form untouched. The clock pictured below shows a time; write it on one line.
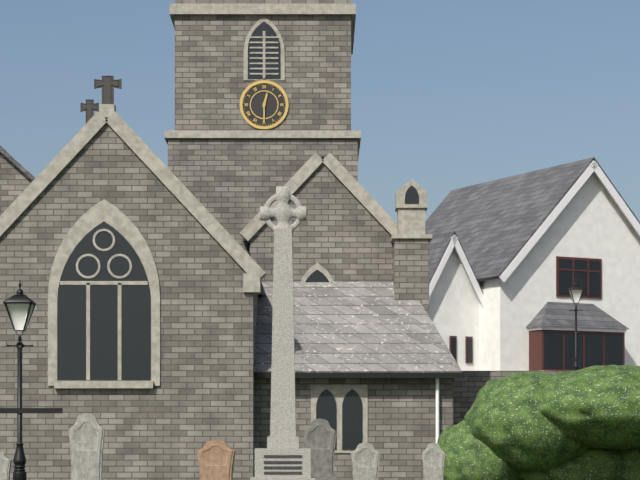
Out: **12:30**
